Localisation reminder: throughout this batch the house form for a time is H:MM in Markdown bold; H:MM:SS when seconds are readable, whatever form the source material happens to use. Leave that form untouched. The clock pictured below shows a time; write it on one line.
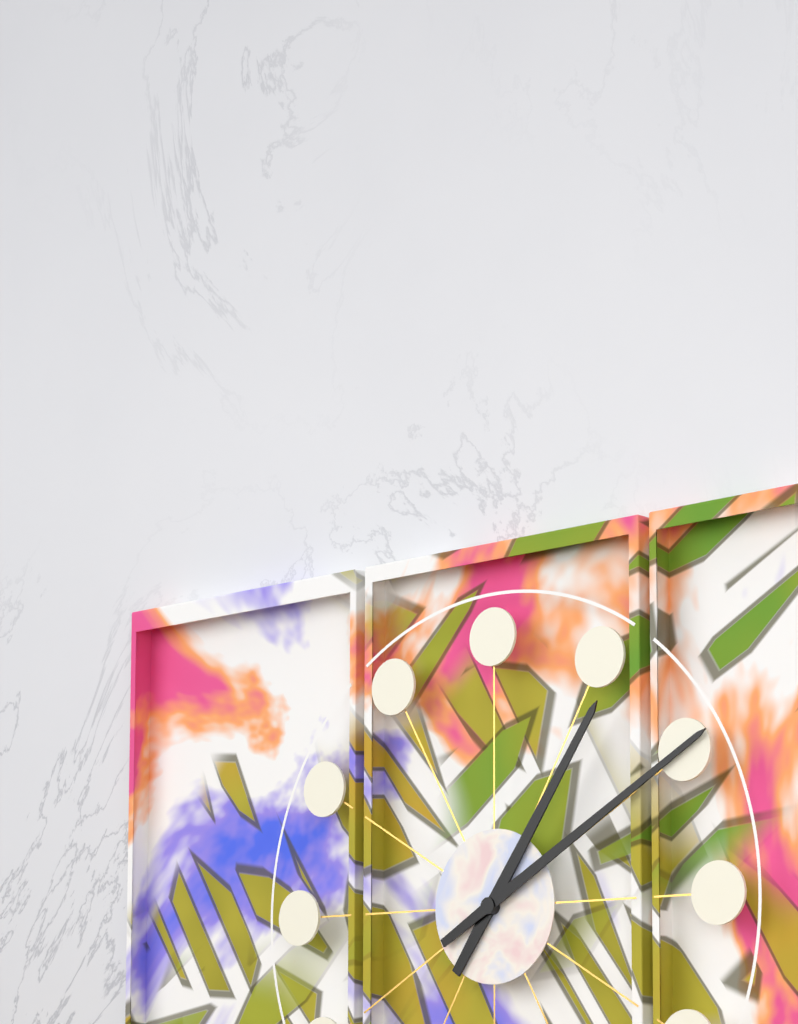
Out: **1:10**
